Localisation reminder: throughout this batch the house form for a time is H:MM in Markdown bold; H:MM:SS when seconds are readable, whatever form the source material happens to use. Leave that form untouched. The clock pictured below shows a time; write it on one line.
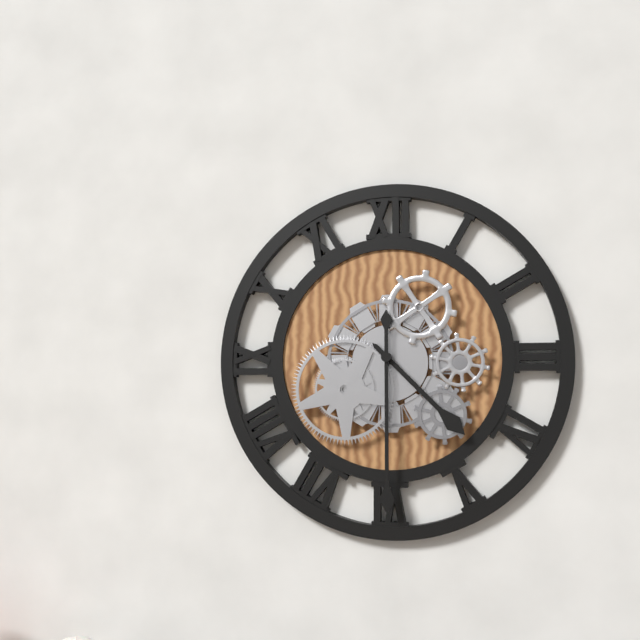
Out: **4:30**
